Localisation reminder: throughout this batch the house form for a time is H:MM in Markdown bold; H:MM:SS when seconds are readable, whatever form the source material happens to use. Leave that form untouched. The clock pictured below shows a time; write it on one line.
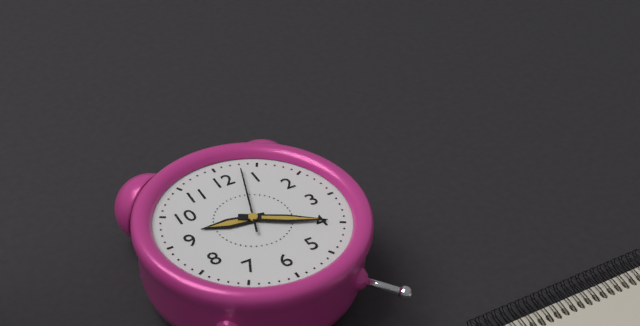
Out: **9:20:03**
